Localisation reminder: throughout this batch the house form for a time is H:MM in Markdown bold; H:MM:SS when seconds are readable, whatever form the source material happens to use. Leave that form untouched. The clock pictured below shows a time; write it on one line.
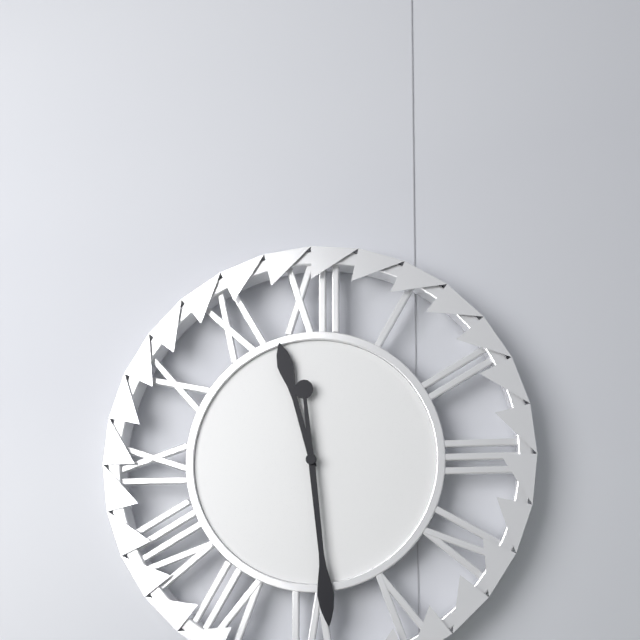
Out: **11:29**
